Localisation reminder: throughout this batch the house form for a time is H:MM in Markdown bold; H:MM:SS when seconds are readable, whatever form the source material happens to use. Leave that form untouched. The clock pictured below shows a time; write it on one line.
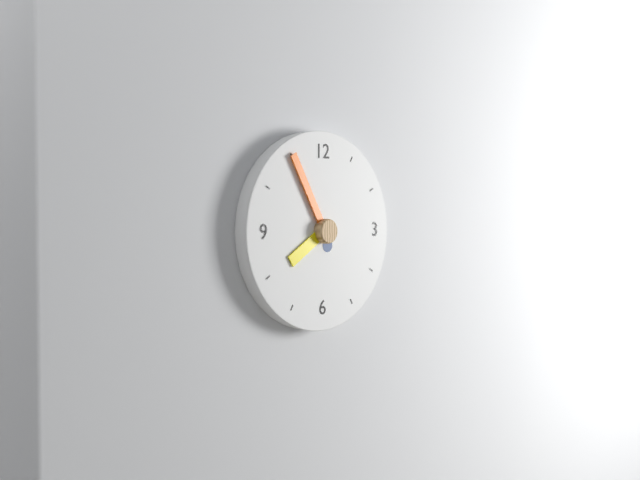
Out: **7:55**
